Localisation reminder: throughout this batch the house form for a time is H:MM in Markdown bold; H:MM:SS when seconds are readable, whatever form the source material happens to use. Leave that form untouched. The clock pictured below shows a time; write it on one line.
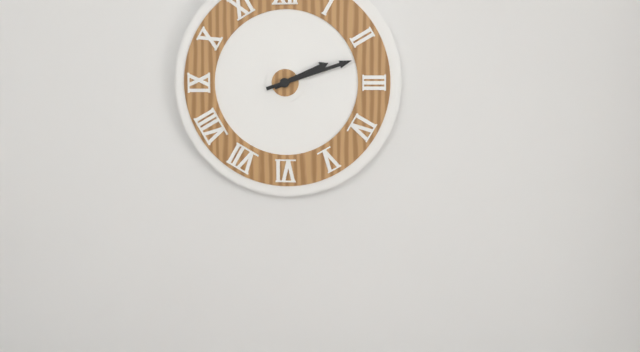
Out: **2:12**
